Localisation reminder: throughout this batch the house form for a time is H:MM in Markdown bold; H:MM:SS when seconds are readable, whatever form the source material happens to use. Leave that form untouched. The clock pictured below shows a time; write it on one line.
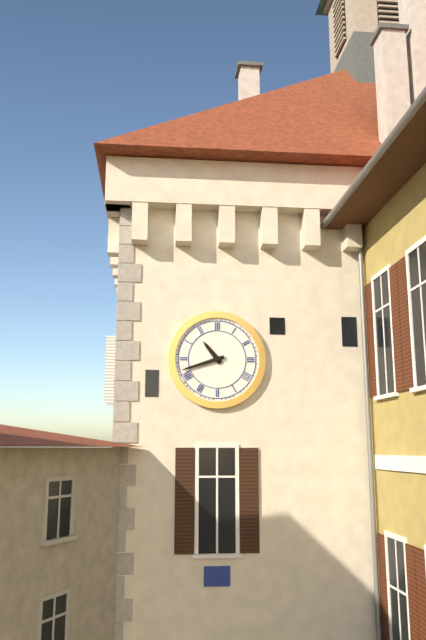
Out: **10:42**
